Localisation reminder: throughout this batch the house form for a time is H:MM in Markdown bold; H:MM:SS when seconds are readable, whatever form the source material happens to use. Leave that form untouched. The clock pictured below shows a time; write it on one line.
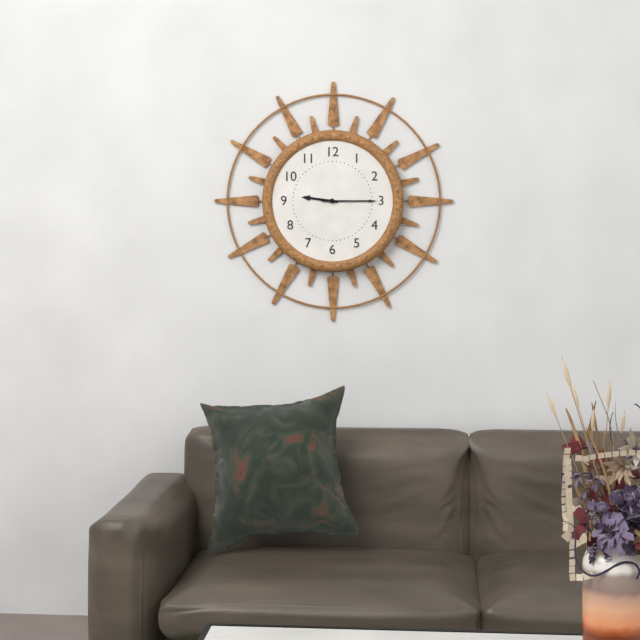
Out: **9:15**
